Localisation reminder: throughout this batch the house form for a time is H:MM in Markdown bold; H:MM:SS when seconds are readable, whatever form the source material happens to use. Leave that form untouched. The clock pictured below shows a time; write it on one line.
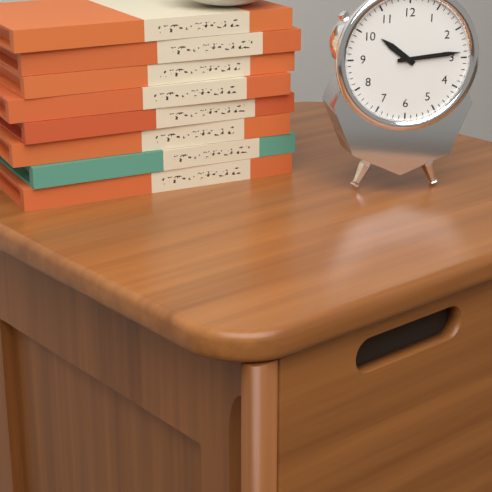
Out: **10:14**
